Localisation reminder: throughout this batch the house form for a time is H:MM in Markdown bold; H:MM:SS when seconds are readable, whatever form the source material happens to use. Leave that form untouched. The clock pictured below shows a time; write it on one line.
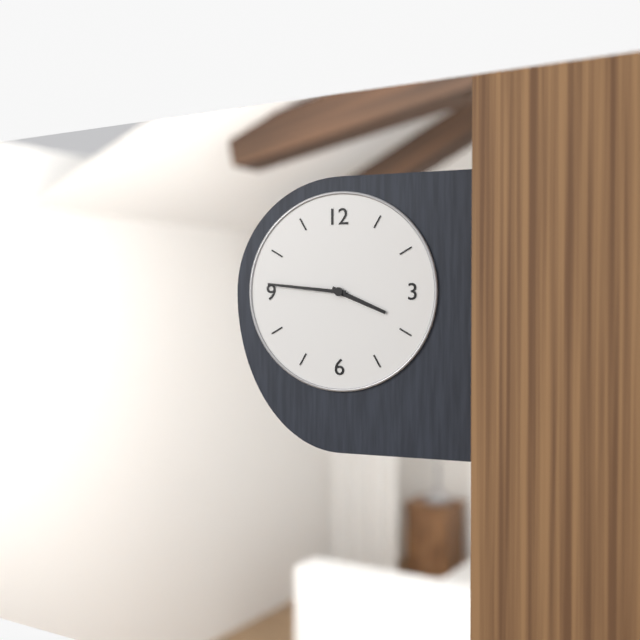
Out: **3:46**
